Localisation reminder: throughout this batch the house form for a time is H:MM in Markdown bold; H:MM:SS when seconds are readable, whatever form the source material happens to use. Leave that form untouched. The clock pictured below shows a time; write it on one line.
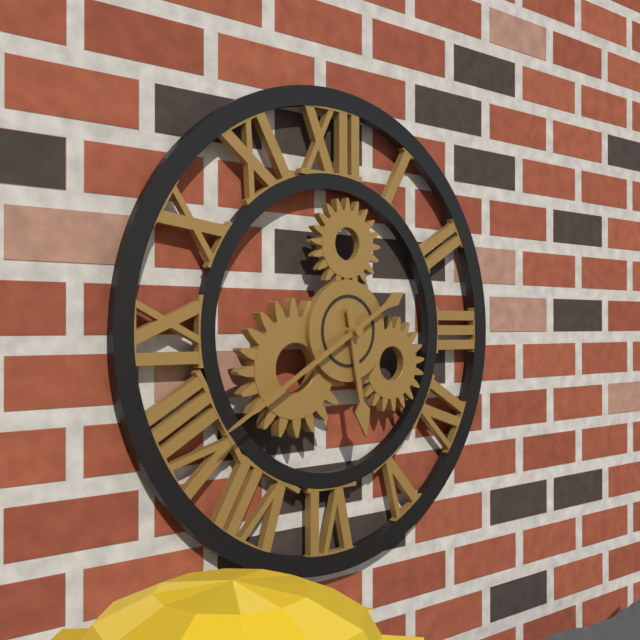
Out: **5:40**
